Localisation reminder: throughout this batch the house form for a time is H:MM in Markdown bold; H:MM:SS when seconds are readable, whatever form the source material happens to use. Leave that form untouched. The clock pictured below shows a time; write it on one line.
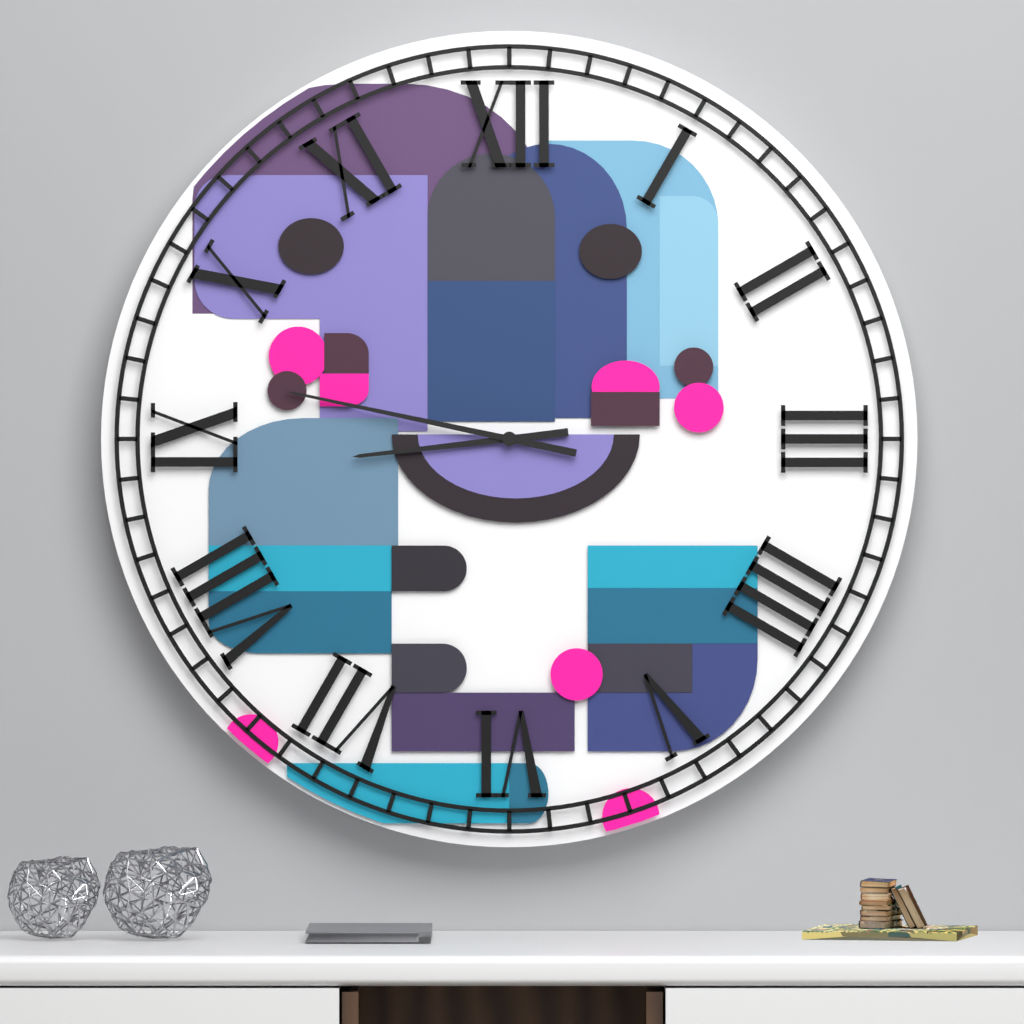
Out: **8:47**
